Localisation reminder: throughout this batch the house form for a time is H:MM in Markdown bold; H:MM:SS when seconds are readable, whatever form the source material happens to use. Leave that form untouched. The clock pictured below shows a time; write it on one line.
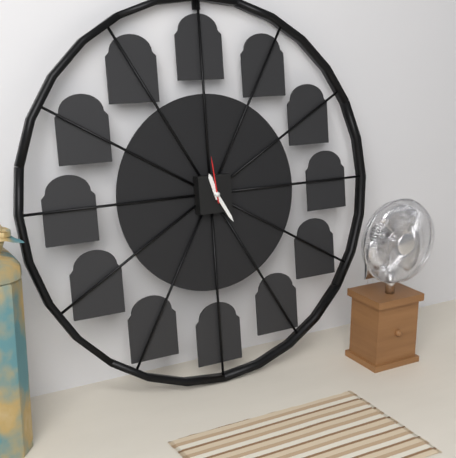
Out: **11:25**
